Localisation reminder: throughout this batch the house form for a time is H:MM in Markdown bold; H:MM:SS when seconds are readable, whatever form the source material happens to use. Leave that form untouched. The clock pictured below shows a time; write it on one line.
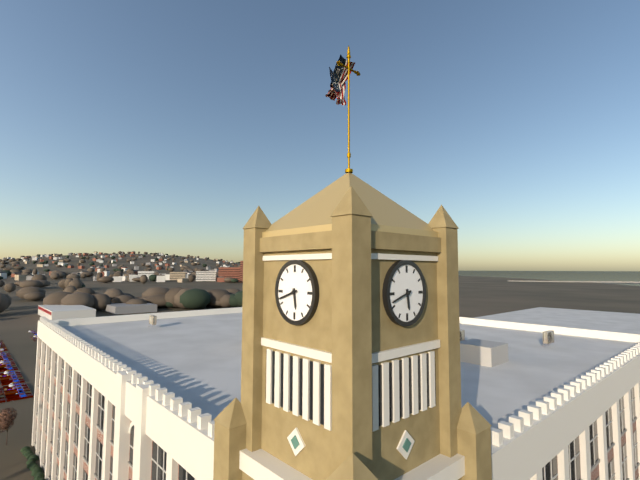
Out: **5:42**
